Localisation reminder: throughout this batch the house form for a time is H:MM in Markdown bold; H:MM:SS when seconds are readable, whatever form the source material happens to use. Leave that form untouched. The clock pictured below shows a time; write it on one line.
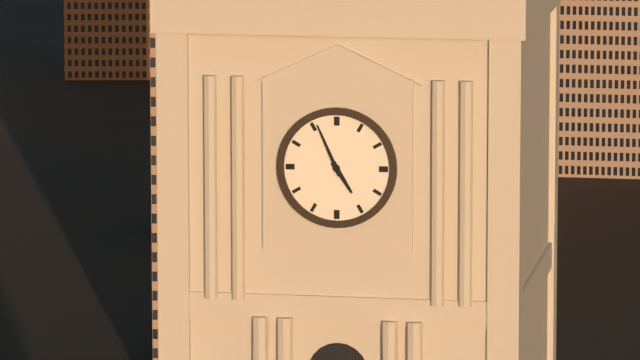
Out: **4:56**
